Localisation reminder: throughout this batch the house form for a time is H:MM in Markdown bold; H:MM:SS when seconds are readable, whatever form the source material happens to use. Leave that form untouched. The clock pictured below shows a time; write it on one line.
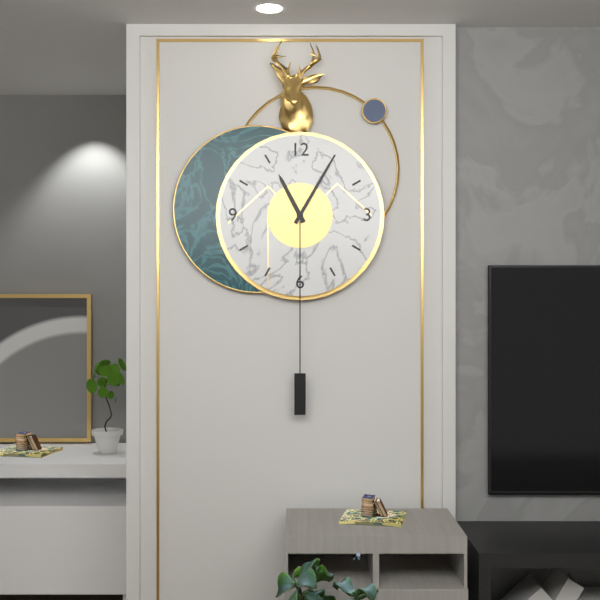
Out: **11:05**
